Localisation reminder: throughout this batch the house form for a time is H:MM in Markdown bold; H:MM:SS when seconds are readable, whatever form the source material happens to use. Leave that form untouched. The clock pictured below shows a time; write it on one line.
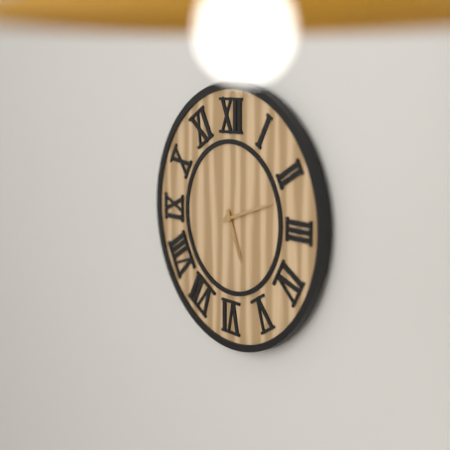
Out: **5:12**
